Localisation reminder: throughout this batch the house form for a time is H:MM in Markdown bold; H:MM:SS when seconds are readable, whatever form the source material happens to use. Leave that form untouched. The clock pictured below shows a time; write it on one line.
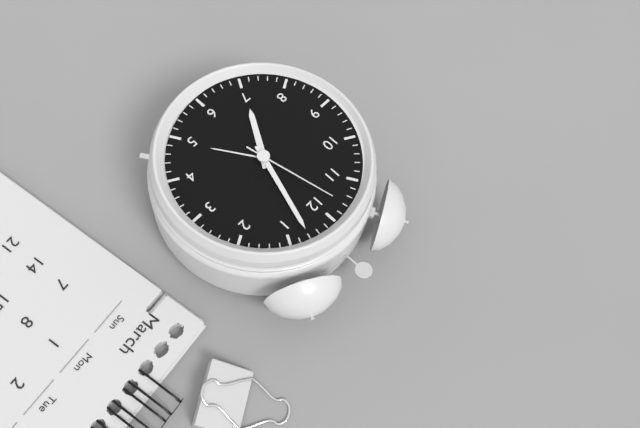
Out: **7:03:58**
